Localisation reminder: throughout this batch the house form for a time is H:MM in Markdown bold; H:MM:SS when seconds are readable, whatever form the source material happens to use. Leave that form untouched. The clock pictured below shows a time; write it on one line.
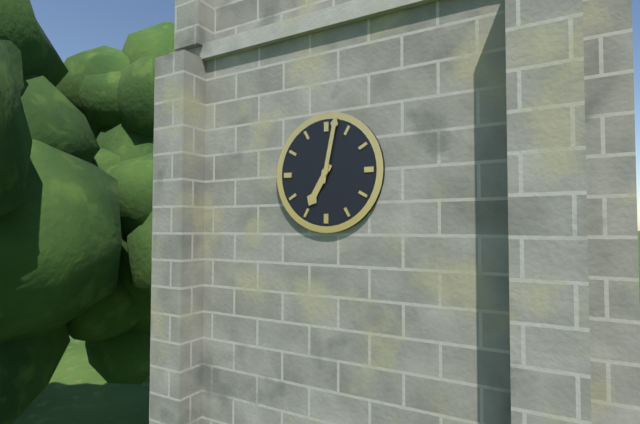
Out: **7:02**
